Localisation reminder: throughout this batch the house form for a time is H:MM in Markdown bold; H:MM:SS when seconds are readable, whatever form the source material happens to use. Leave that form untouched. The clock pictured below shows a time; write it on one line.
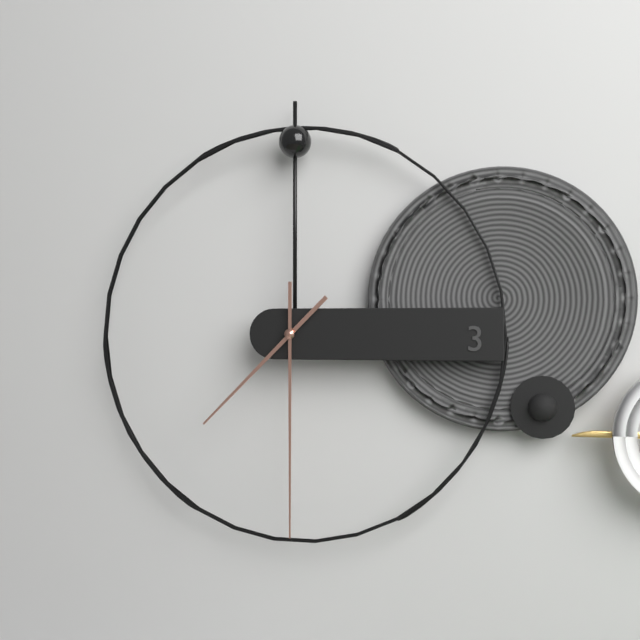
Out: **7:30**
